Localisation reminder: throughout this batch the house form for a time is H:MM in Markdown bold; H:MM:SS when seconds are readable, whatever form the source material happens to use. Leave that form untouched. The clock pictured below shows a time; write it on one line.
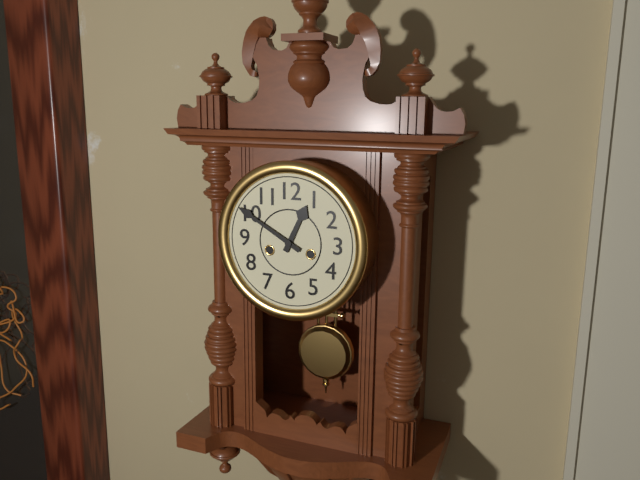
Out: **12:50**
